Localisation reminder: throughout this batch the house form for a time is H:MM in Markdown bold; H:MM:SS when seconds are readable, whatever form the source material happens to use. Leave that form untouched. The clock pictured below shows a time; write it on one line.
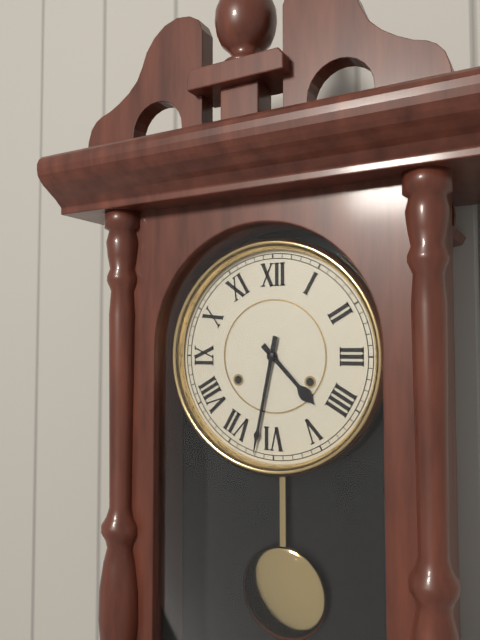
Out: **4:32**
